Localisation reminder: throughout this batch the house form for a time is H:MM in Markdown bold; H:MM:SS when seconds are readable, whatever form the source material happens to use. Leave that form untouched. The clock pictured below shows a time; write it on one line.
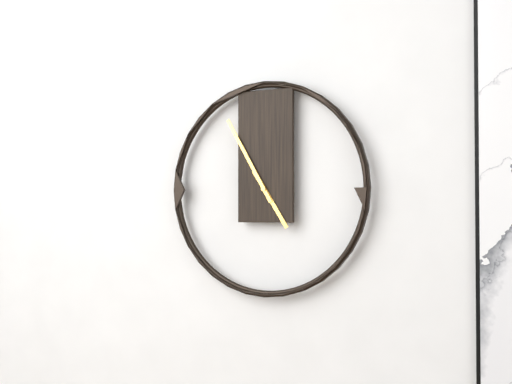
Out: **4:55**
